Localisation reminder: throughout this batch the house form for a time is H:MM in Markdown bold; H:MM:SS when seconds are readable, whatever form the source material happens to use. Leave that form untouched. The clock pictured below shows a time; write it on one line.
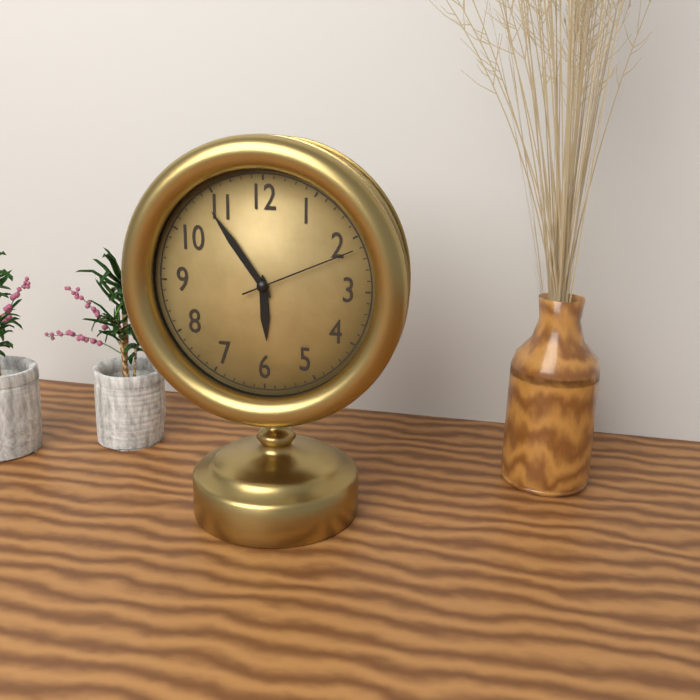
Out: **5:54:11**
